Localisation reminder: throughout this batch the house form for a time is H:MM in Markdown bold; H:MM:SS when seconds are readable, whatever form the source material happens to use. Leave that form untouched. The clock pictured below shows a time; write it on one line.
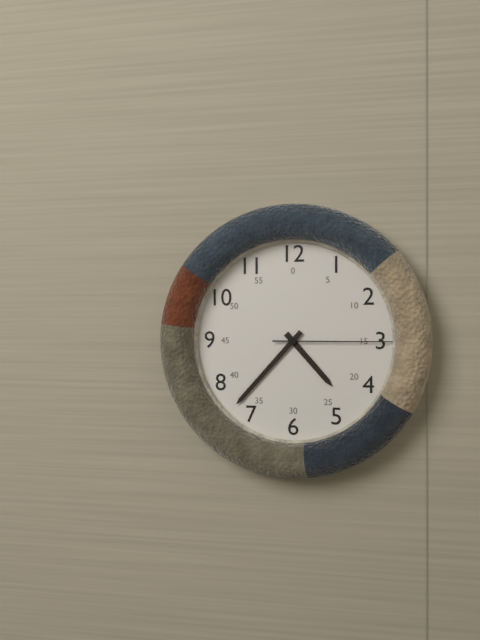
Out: **4:37:15**
